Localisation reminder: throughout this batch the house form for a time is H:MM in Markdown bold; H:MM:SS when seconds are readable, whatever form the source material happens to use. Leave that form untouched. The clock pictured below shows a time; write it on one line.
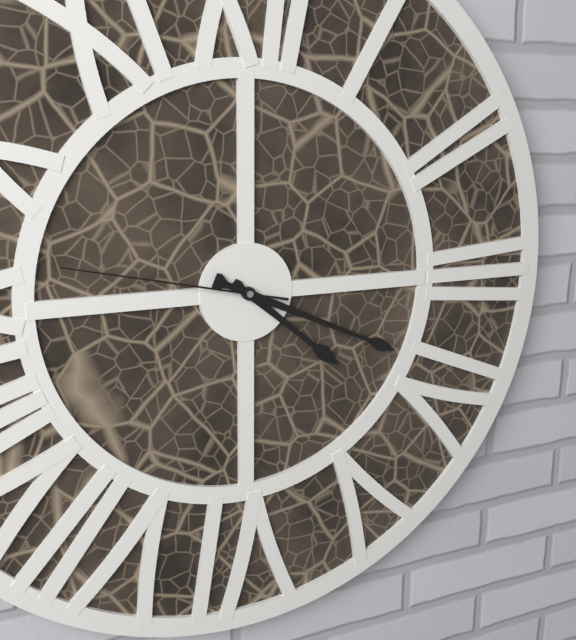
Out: **4:19:47**
